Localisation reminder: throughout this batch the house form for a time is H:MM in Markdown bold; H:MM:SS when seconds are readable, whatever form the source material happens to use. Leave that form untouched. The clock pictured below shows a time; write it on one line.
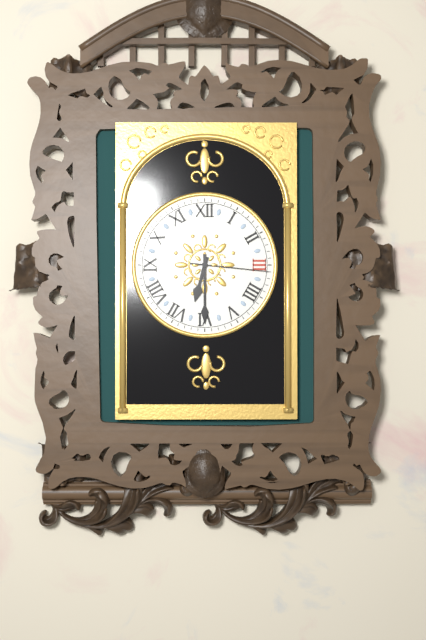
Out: **6:30:16**
